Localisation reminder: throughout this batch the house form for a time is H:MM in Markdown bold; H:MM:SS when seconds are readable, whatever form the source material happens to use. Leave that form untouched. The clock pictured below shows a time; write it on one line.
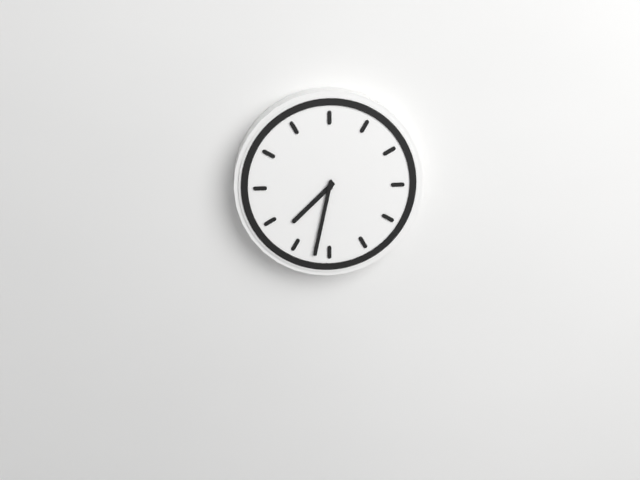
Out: **7:32**
